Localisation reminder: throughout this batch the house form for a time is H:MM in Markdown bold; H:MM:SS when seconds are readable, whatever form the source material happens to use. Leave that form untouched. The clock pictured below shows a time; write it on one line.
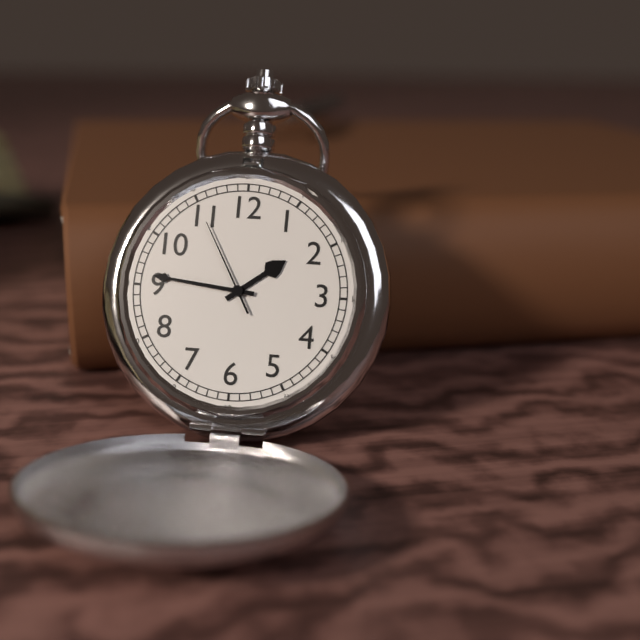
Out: **1:46:55**
